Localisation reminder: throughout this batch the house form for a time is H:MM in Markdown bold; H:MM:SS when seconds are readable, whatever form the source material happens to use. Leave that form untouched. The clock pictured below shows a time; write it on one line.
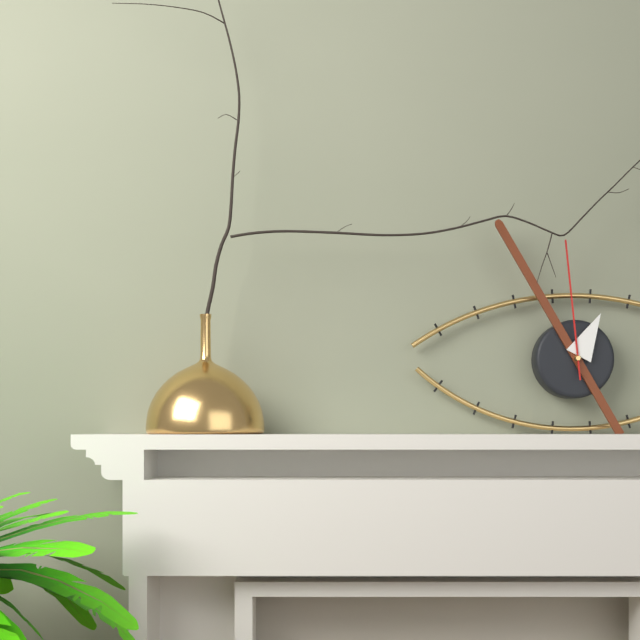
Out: **12:55:59**
